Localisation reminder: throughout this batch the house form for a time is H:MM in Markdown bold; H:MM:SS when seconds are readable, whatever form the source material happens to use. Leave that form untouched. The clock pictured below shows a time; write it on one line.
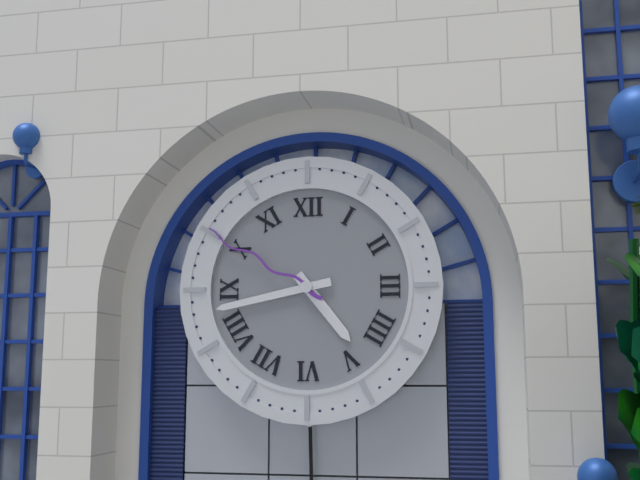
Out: **4:43:50**
